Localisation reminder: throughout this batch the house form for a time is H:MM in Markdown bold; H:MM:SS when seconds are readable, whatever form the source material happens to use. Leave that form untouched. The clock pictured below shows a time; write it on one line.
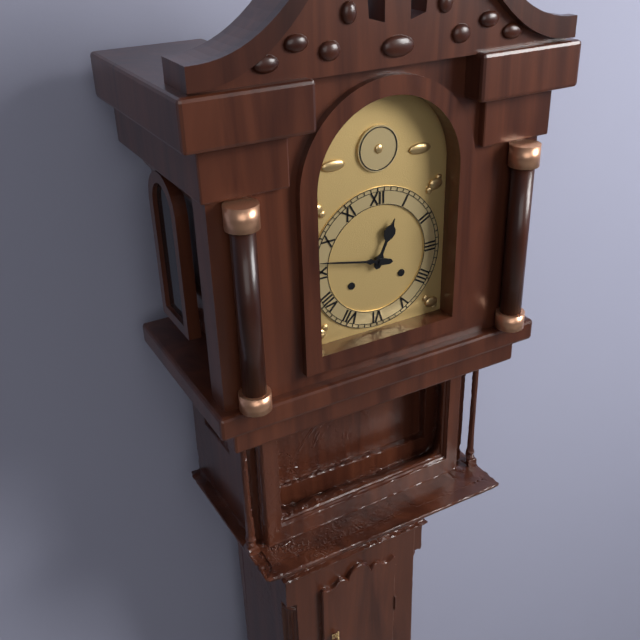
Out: **12:47**
